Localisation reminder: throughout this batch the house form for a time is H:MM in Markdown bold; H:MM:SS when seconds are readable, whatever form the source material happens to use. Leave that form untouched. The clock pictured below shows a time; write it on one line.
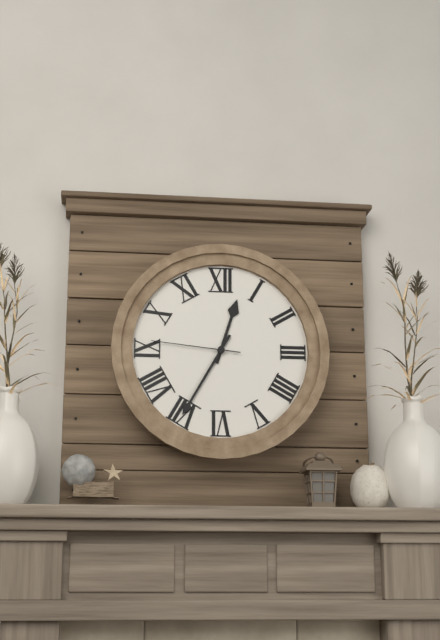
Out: **12:35:46**
